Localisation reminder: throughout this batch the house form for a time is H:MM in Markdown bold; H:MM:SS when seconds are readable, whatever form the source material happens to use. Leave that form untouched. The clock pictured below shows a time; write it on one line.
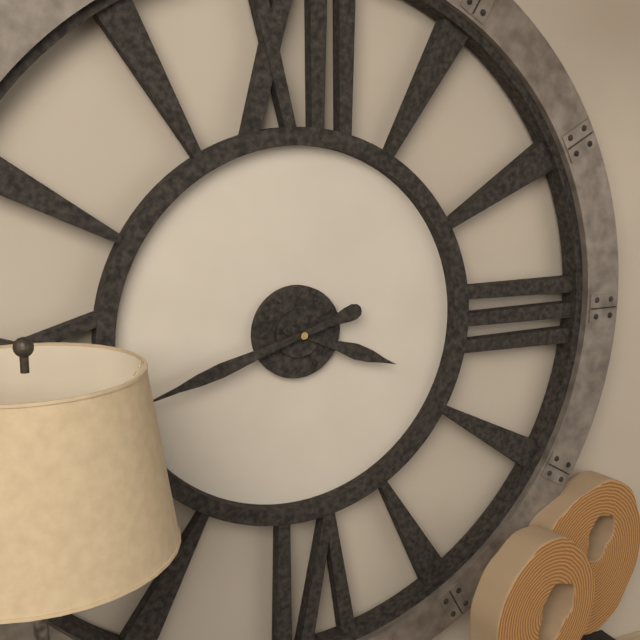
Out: **3:42**
